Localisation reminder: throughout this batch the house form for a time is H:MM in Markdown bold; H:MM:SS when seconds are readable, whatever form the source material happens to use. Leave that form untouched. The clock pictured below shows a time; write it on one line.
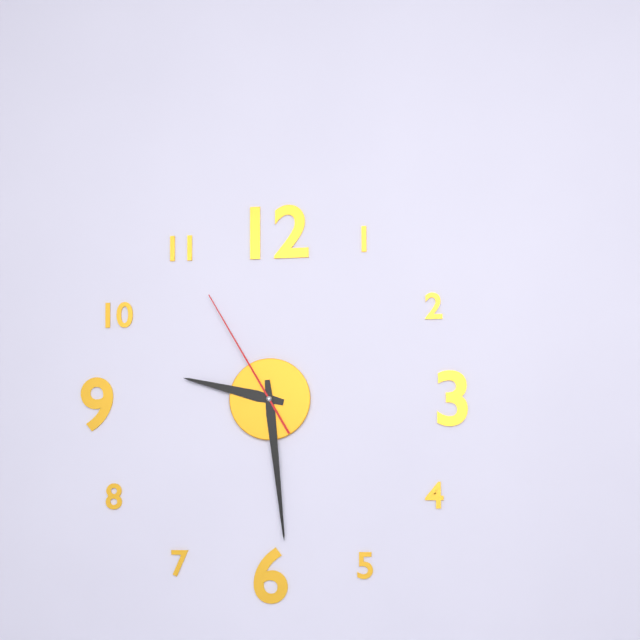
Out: **9:29:55**
